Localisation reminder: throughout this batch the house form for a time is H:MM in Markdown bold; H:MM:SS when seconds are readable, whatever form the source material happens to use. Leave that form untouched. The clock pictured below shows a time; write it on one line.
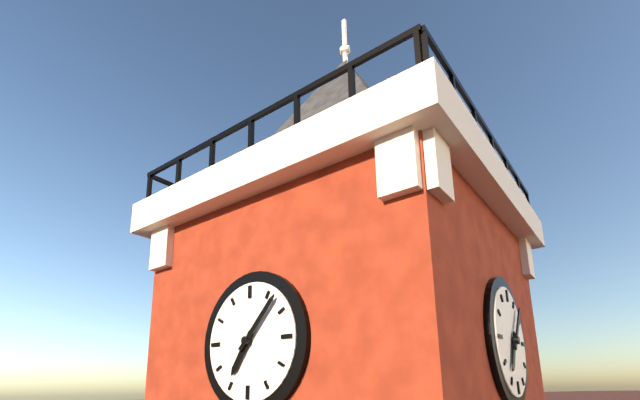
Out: **7:07**
